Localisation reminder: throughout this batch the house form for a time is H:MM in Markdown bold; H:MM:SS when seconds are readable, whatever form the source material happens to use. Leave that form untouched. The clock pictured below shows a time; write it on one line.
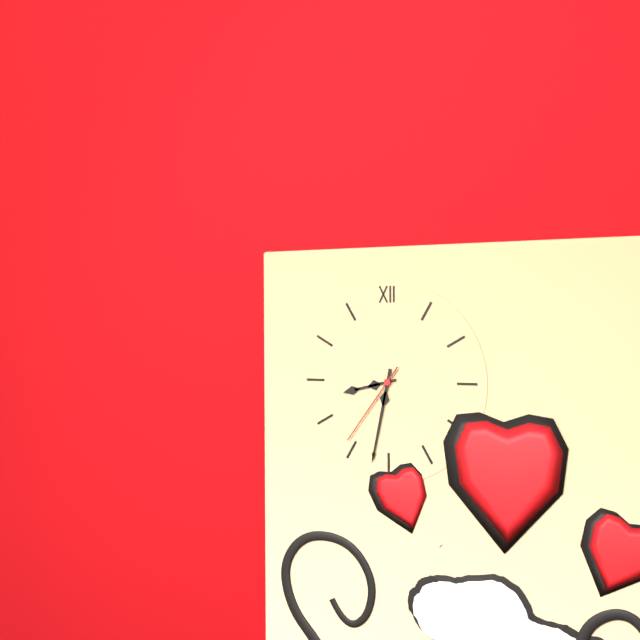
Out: **8:32:36**
